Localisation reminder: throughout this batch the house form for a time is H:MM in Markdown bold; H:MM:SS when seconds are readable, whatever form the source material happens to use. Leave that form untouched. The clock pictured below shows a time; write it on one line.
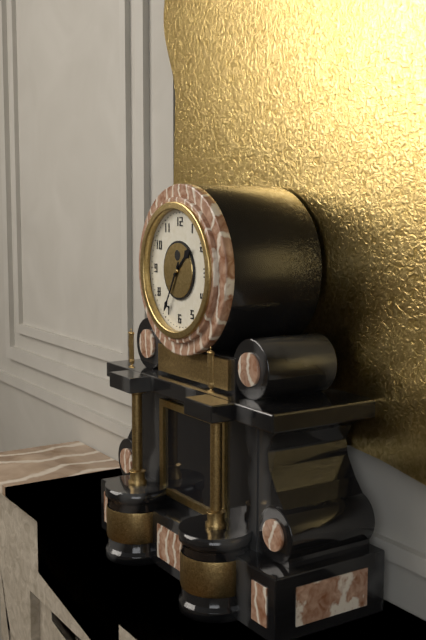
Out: **1:35**
